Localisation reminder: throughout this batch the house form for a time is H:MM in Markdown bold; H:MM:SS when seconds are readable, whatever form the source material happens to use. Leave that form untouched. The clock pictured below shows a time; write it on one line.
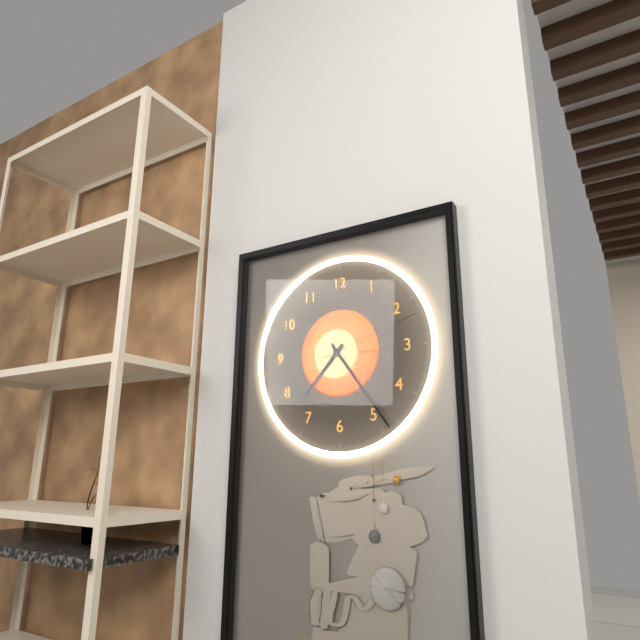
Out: **7:24:12**
